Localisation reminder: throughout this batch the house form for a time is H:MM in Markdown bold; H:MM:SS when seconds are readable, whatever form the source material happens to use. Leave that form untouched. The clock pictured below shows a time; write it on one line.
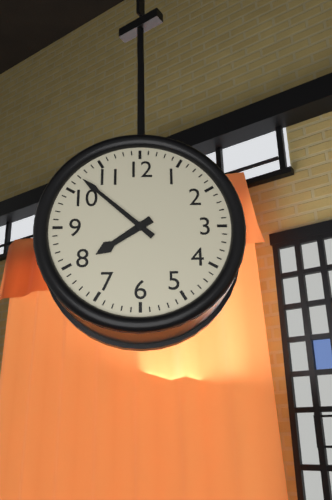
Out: **7:52**
